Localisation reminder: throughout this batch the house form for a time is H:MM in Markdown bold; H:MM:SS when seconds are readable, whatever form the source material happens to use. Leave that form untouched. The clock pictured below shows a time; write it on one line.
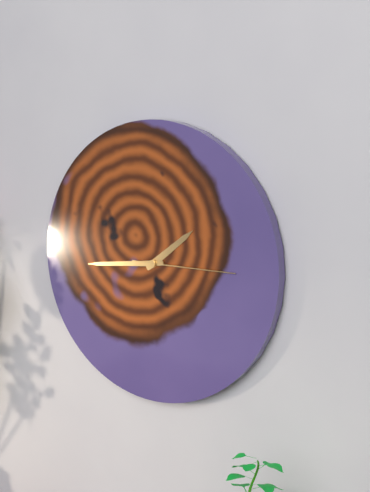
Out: **1:44:15**
